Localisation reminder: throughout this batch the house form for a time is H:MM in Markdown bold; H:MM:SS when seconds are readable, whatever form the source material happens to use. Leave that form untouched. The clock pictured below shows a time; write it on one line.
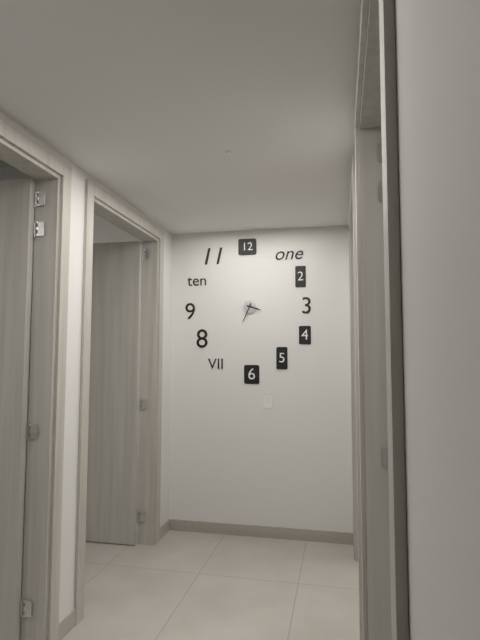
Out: **3:34**
